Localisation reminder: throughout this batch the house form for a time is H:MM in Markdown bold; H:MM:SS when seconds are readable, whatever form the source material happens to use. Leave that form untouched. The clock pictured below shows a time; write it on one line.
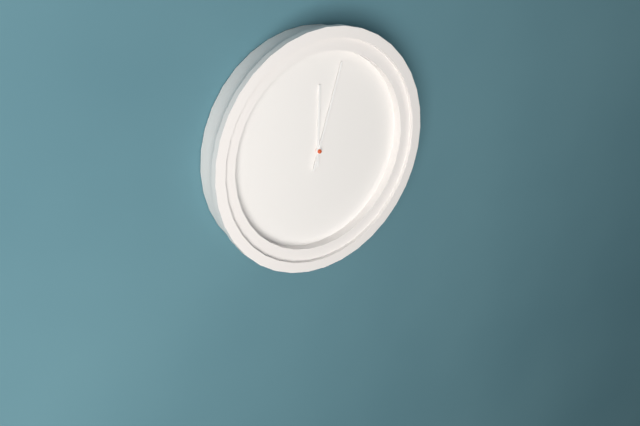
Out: **12:03**
